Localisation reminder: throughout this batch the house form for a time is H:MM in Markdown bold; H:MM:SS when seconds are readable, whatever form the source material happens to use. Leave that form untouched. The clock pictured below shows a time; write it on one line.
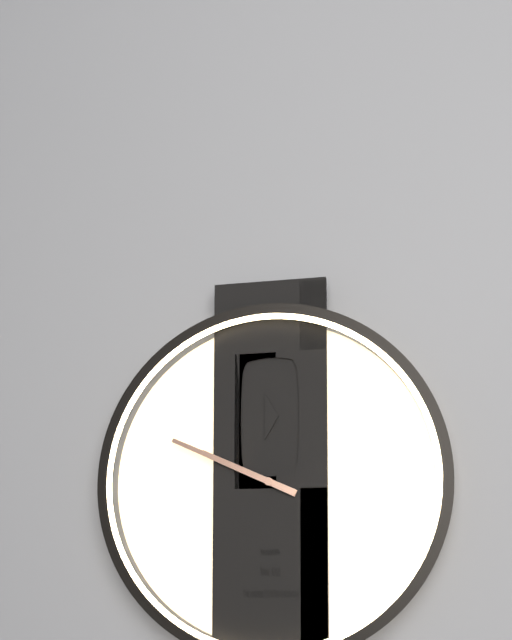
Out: **9:49**
